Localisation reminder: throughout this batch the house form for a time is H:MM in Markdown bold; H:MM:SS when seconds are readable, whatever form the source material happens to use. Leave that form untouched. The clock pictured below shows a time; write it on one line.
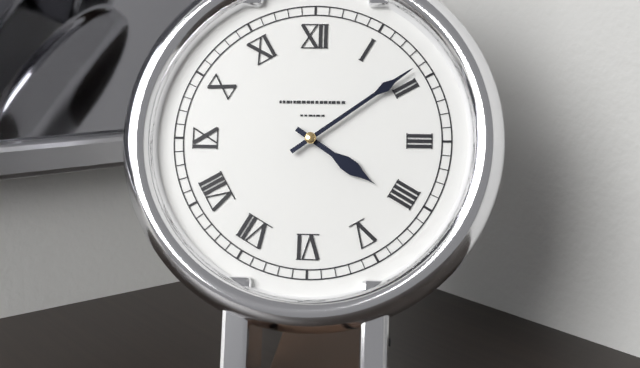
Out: **4:09**
